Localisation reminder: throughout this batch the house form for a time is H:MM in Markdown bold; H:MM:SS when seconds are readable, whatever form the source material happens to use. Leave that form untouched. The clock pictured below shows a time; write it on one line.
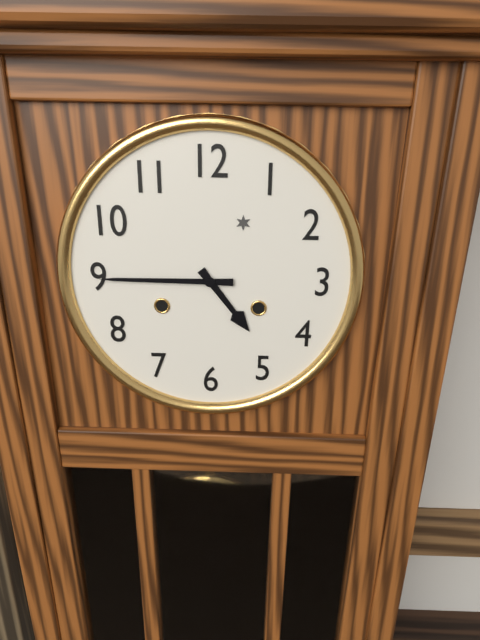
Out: **4:45**
